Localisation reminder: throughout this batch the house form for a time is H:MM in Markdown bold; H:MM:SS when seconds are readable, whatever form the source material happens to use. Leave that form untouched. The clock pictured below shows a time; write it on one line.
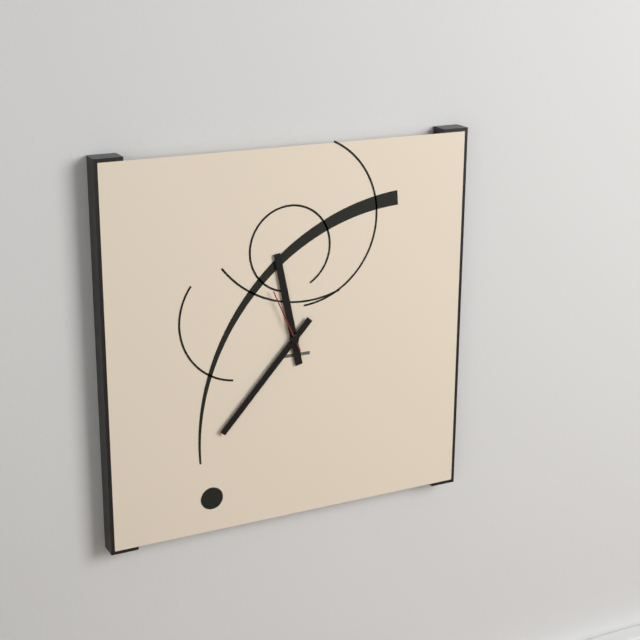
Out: **11:37:56**
